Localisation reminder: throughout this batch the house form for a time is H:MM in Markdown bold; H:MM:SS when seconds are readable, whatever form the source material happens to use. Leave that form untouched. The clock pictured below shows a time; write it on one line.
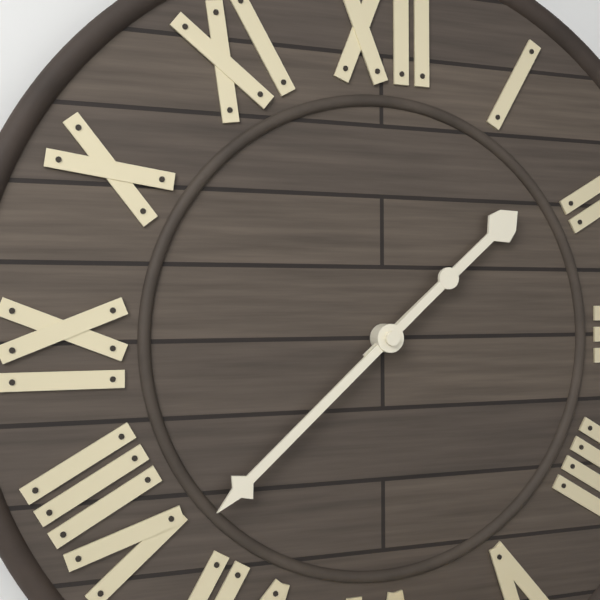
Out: **1:38**
